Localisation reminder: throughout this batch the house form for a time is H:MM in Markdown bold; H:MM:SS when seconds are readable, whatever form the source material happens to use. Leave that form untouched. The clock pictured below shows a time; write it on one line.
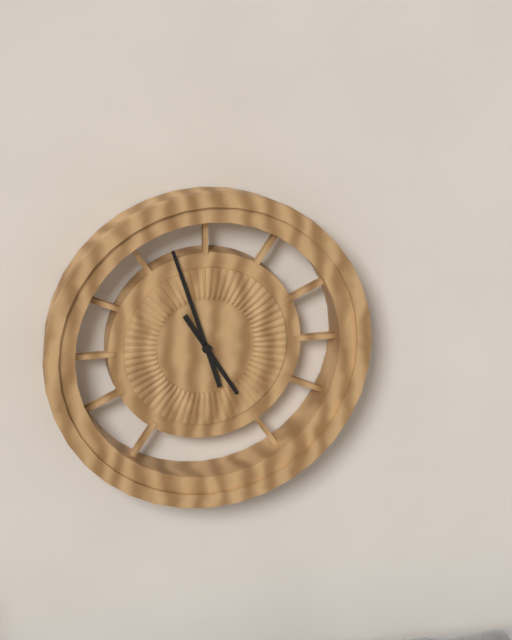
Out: **4:57**
